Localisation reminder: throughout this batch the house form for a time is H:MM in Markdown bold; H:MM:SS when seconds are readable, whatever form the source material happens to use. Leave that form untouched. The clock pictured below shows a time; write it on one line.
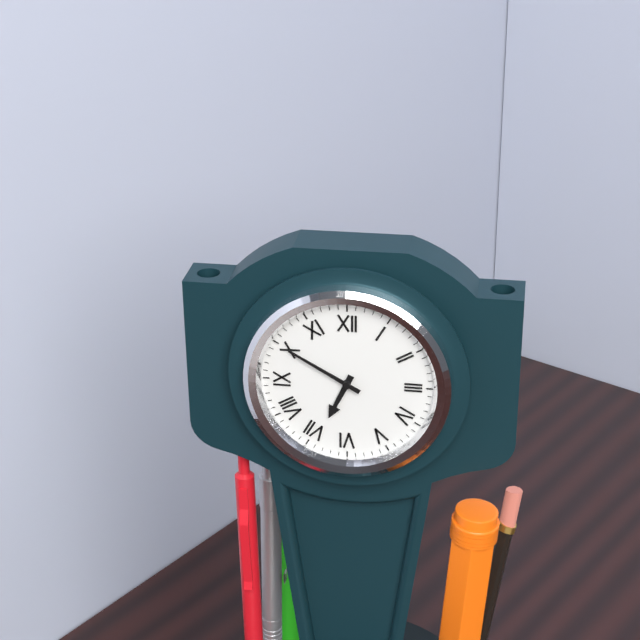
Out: **6:50**
